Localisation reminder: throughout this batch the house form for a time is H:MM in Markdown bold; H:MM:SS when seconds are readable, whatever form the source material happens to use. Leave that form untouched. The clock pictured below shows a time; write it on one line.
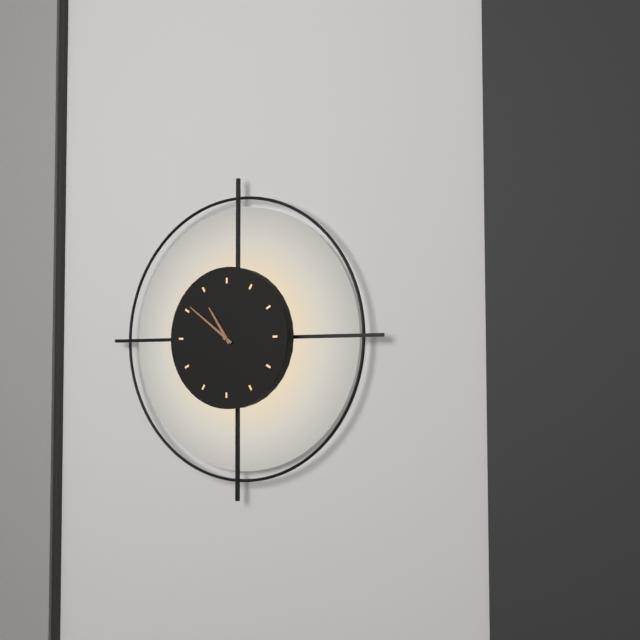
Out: **10:51**
